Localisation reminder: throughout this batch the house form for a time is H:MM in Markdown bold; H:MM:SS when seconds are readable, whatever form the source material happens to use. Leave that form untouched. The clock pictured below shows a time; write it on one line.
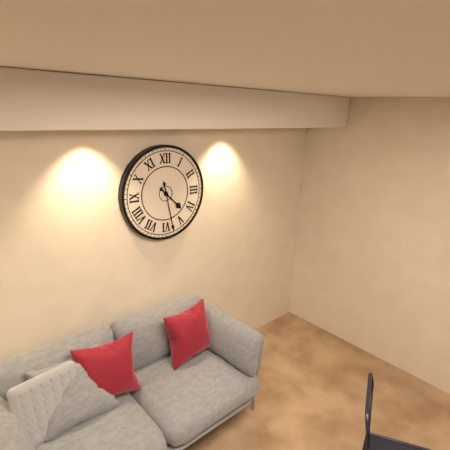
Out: **4:28**
